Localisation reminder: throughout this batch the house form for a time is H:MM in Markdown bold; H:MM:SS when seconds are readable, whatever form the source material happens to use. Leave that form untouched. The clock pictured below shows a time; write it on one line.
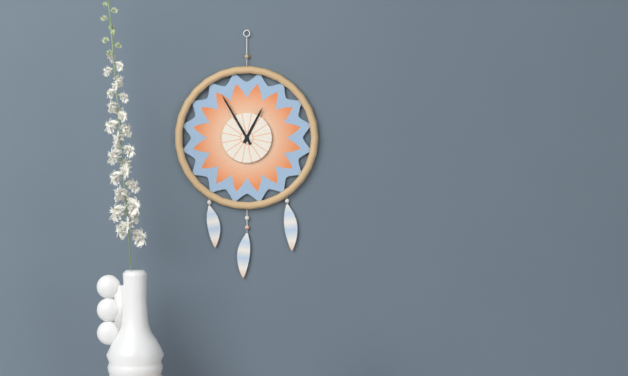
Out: **12:55**
